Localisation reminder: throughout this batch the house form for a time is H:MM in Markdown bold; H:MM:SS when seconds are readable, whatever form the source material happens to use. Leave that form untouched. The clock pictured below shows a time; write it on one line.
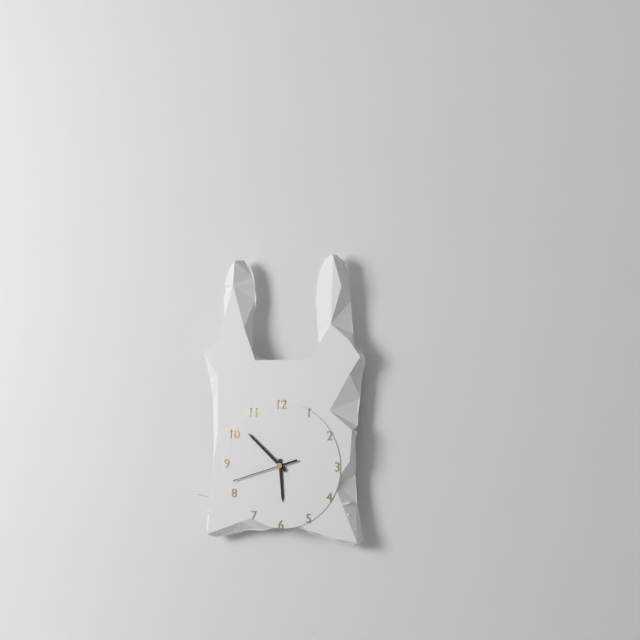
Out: **5:52:42**
